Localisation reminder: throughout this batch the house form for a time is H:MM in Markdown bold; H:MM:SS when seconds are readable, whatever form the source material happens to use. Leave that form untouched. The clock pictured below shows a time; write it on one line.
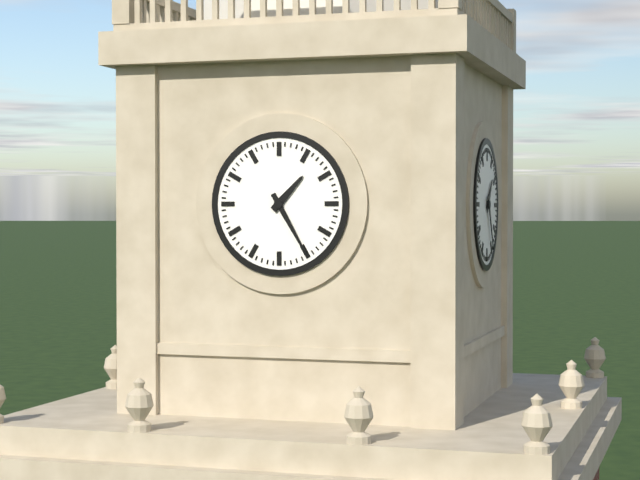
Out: **1:25**
